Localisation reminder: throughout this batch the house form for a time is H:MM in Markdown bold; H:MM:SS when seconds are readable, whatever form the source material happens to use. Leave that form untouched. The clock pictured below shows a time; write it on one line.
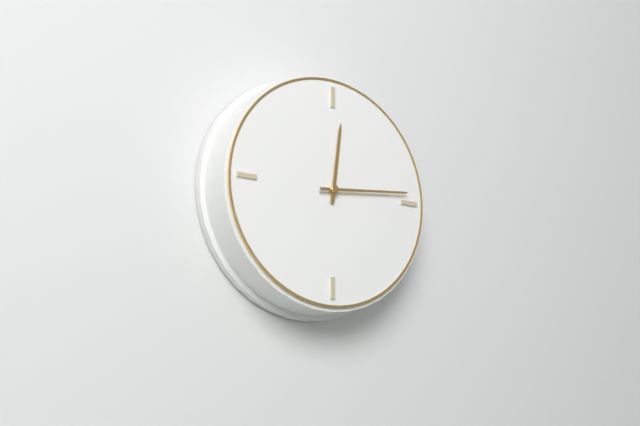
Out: **12:14**
